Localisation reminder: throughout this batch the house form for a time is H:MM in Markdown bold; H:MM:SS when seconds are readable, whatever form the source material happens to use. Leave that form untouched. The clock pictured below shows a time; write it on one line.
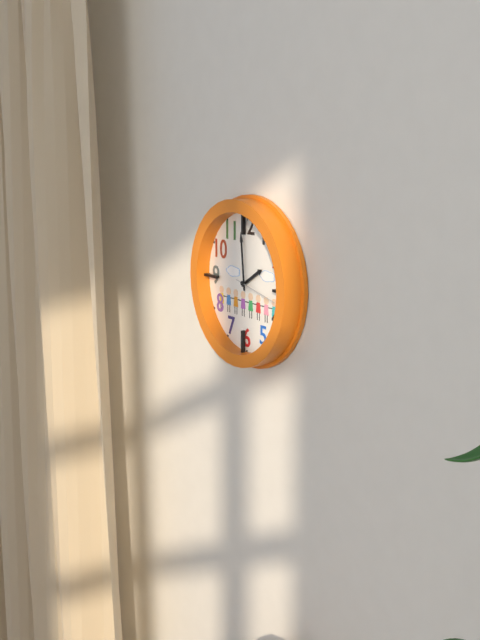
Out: **1:59**
